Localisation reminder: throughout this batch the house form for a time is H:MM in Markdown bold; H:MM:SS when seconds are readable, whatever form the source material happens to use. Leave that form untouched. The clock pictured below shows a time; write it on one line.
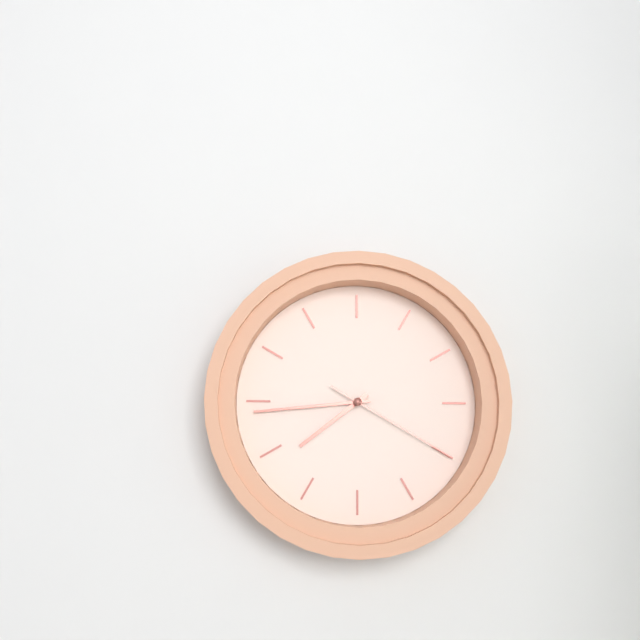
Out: **7:44:20**
